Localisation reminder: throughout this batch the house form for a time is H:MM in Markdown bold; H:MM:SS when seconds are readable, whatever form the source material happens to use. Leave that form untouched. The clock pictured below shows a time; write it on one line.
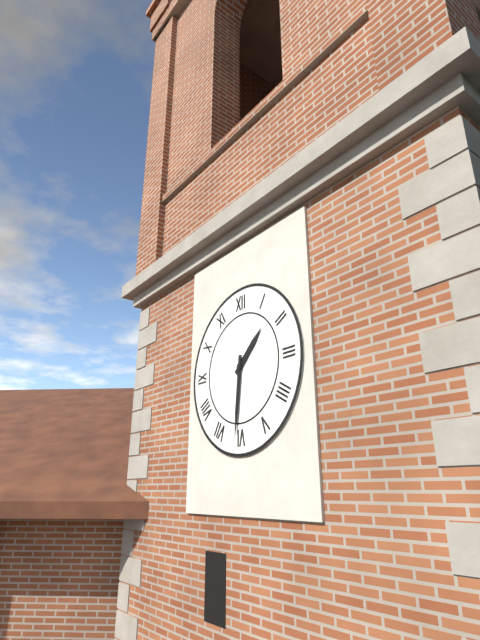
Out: **1:31**
